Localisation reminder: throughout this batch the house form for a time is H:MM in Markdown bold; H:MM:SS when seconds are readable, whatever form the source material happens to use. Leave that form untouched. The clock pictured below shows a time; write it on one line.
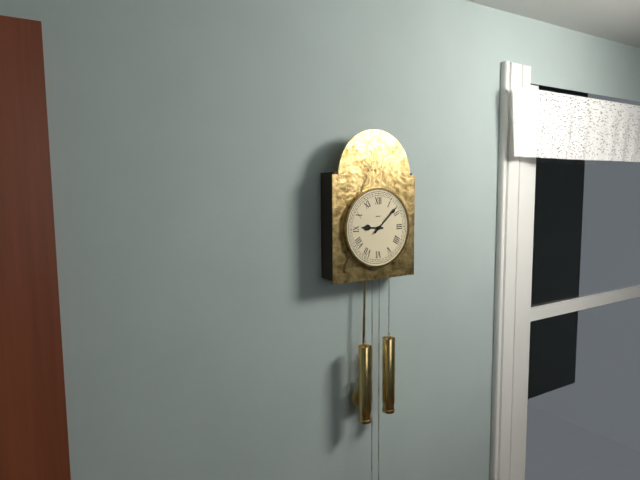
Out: **9:08**
